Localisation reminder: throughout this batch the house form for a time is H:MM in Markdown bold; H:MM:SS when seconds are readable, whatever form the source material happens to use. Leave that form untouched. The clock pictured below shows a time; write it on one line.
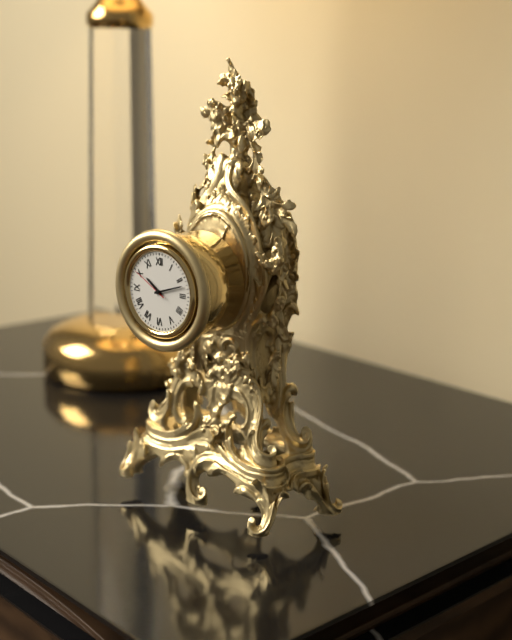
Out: **10:12**
